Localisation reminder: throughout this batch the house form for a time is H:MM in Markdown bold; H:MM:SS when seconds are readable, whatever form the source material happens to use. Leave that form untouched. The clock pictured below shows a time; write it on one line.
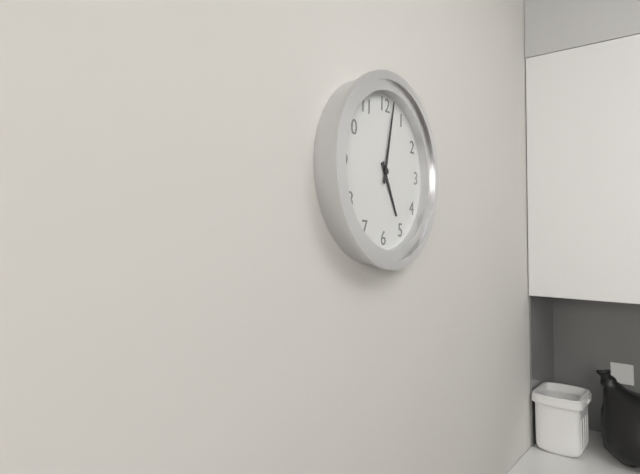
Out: **5:02**
